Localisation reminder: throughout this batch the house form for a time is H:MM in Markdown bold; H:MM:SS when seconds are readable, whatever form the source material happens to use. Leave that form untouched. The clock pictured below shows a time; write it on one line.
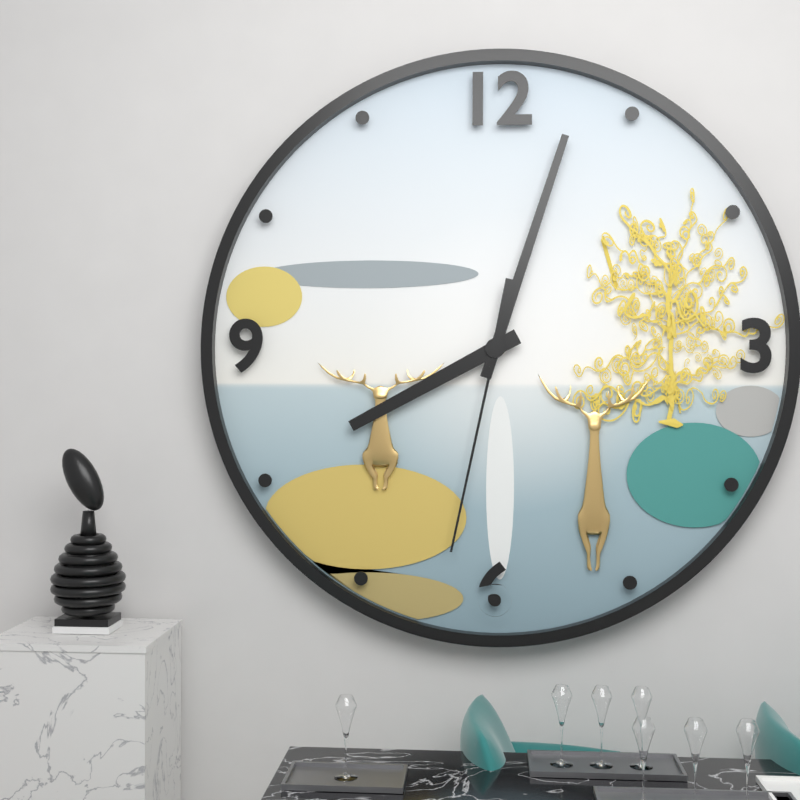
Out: **8:03:32**
